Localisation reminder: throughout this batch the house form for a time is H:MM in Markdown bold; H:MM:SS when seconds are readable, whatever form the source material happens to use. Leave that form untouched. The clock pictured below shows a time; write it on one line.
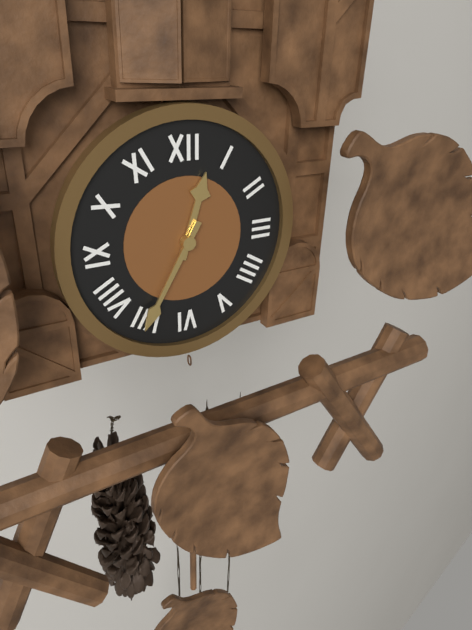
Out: **12:35**
